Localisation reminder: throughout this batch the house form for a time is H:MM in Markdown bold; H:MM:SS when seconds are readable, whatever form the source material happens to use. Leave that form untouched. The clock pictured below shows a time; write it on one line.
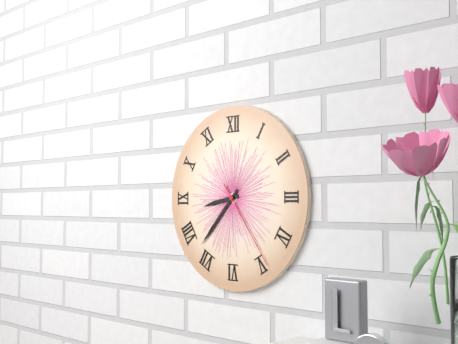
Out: **8:37:24**
